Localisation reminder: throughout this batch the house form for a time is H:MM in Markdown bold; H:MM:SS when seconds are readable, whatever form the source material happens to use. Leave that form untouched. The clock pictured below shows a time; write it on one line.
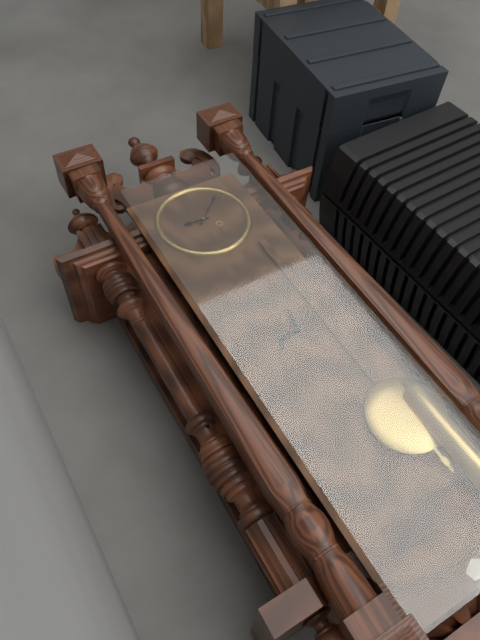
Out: **9:08**
